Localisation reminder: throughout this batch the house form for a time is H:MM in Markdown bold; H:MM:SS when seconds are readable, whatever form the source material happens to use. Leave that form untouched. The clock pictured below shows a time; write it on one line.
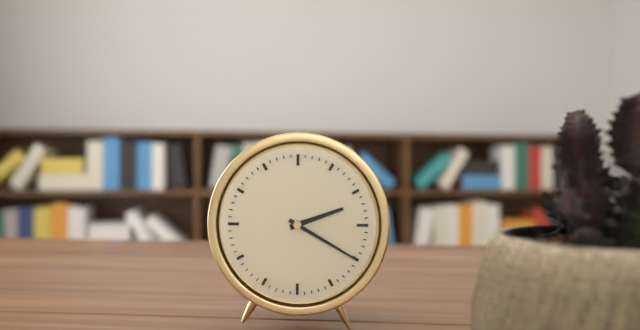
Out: **2:20**
